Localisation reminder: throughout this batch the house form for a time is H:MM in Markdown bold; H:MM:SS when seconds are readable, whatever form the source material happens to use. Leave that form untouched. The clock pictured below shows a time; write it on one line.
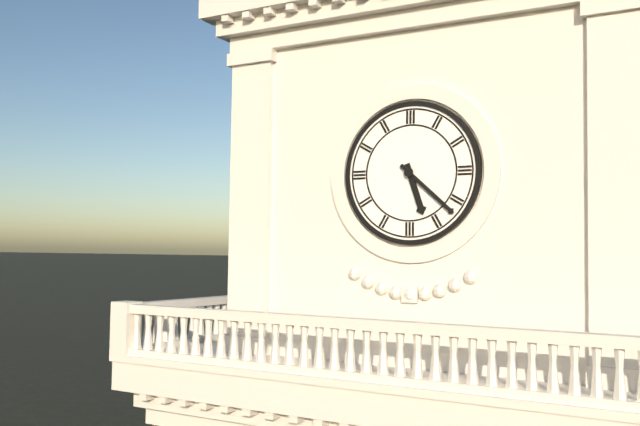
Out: **5:22**
